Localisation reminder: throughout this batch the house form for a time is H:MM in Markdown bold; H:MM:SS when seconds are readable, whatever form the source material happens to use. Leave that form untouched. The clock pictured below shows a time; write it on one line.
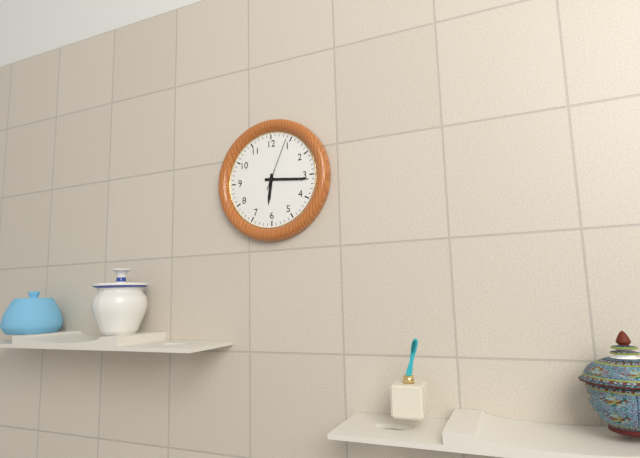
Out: **6:16:04**
